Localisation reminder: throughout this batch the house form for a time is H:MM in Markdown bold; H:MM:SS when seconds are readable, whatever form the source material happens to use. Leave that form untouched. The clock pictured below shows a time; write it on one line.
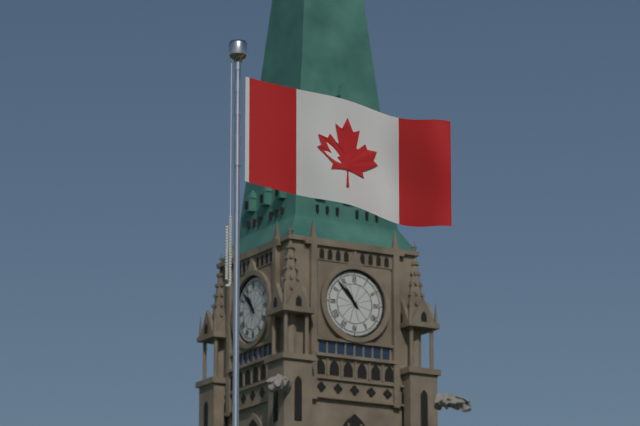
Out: **10:53**
